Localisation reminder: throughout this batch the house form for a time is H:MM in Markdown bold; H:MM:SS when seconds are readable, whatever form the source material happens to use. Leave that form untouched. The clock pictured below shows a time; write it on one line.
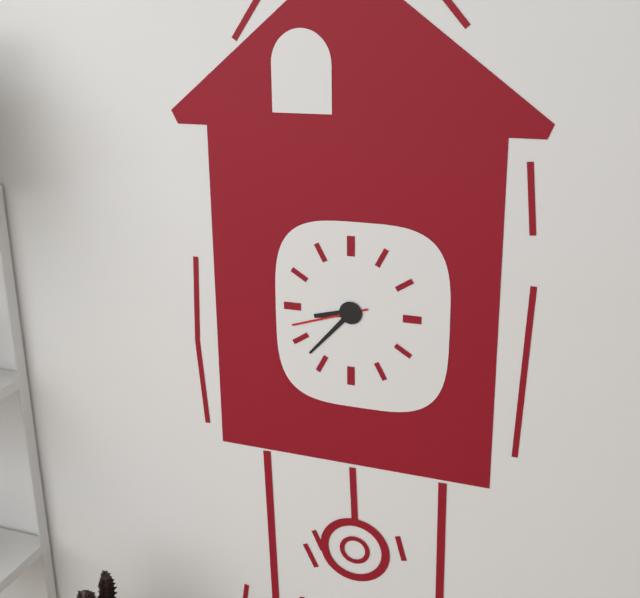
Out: **8:37:42**
